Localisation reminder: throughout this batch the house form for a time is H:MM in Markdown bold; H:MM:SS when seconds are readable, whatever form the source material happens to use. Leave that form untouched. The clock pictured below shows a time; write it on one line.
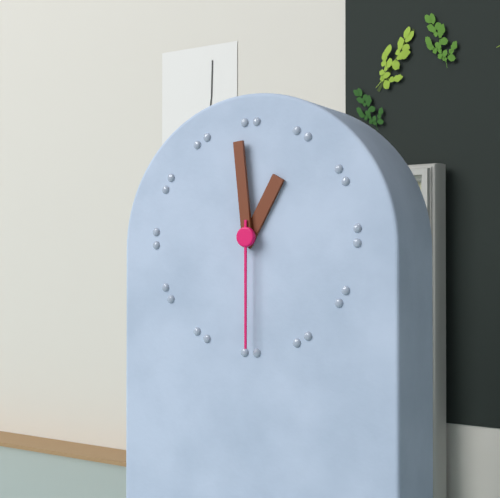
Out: **12:59:30**
